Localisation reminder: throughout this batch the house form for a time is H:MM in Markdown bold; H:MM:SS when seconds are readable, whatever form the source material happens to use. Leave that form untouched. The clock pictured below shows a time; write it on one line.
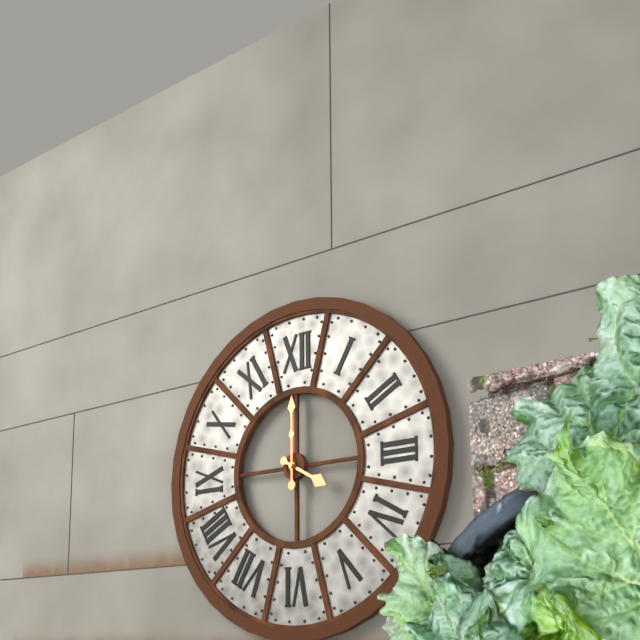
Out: **4:00**
